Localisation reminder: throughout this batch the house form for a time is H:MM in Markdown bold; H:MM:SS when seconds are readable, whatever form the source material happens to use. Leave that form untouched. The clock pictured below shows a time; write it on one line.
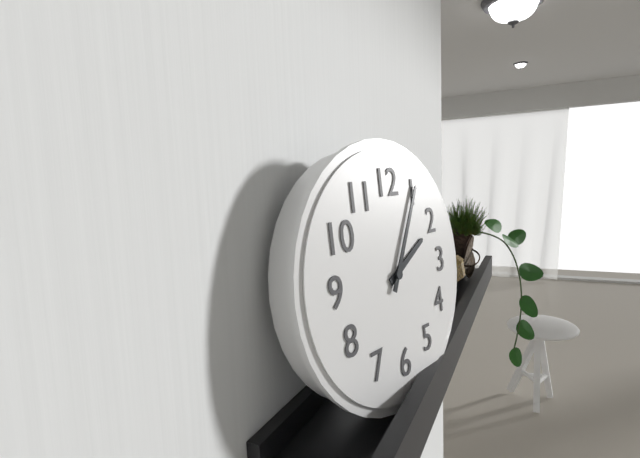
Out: **2:05**
